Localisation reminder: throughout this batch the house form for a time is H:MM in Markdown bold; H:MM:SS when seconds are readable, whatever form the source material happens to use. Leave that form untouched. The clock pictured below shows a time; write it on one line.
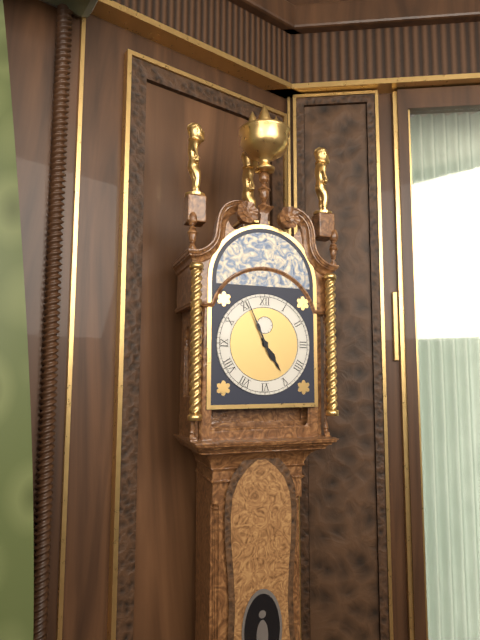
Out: **4:56**
